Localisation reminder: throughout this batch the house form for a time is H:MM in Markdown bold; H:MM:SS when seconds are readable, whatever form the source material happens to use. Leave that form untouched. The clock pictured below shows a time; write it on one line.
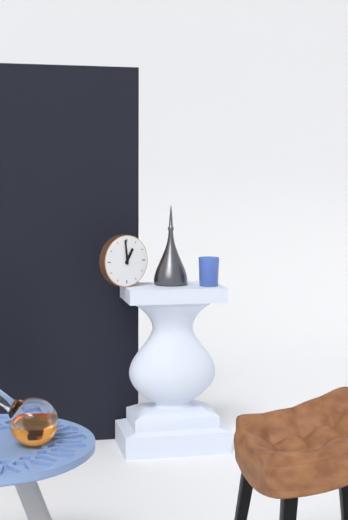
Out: **12:59**
